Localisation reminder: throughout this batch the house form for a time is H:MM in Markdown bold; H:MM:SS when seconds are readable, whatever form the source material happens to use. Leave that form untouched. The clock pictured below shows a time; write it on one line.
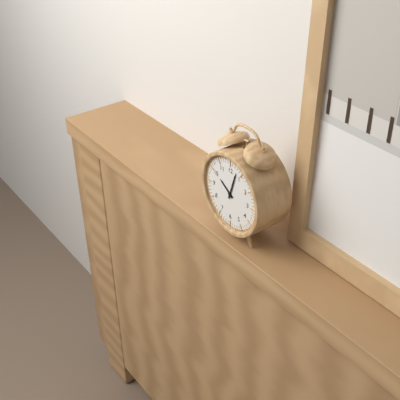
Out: **10:03**
